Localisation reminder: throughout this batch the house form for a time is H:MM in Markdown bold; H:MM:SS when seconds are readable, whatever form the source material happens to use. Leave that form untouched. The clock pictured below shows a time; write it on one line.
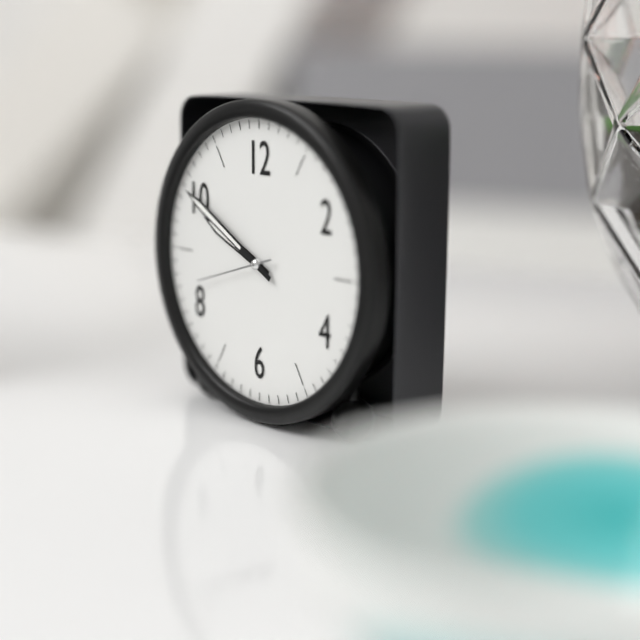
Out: **9:50:42**
